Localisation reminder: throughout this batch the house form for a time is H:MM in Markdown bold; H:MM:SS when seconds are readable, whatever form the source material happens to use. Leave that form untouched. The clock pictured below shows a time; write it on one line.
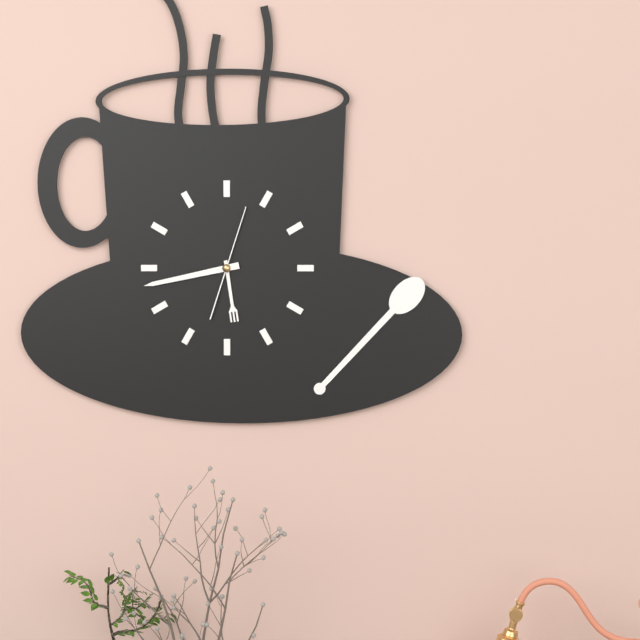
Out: **5:43:03**
